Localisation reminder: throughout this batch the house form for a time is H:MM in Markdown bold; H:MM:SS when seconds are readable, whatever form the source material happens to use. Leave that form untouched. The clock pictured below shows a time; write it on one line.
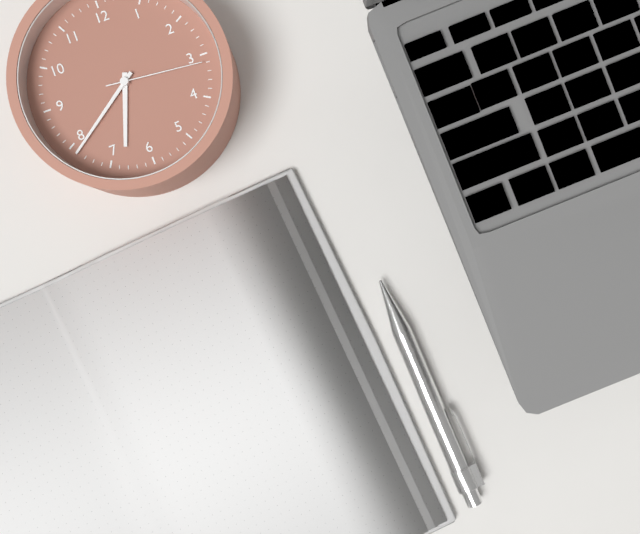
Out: **6:39:16**
